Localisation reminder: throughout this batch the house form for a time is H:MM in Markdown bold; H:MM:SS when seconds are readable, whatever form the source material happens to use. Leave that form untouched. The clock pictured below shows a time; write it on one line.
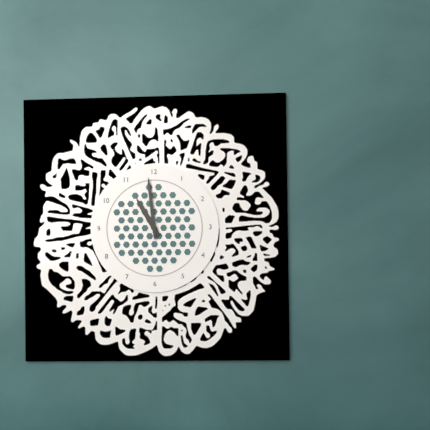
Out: **10:59**
